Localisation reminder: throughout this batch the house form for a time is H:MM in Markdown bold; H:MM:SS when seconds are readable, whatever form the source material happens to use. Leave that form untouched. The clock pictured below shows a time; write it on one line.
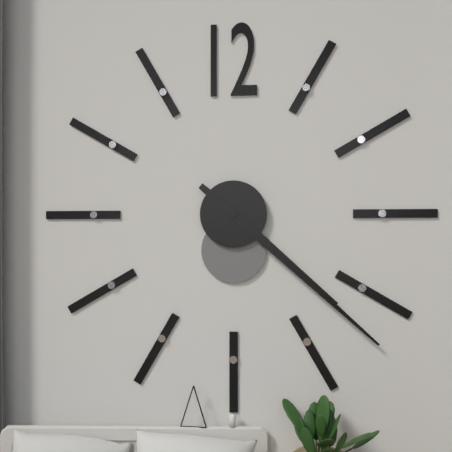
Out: **4:22**
